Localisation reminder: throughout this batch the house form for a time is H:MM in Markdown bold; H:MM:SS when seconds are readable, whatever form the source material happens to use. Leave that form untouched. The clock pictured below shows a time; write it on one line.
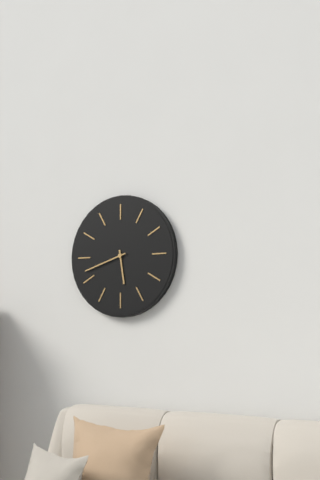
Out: **5:42**
